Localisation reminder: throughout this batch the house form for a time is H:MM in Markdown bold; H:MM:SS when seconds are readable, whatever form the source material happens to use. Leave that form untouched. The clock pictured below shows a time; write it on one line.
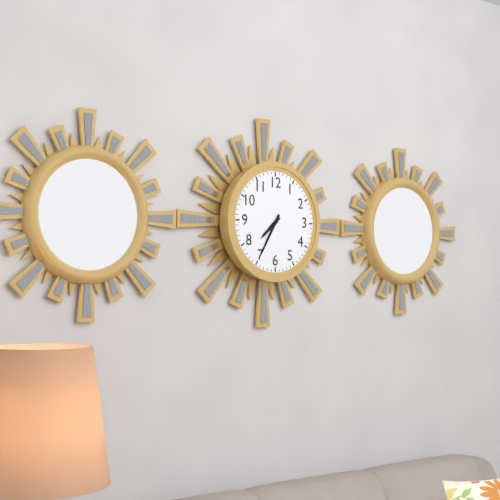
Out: **7:35**
